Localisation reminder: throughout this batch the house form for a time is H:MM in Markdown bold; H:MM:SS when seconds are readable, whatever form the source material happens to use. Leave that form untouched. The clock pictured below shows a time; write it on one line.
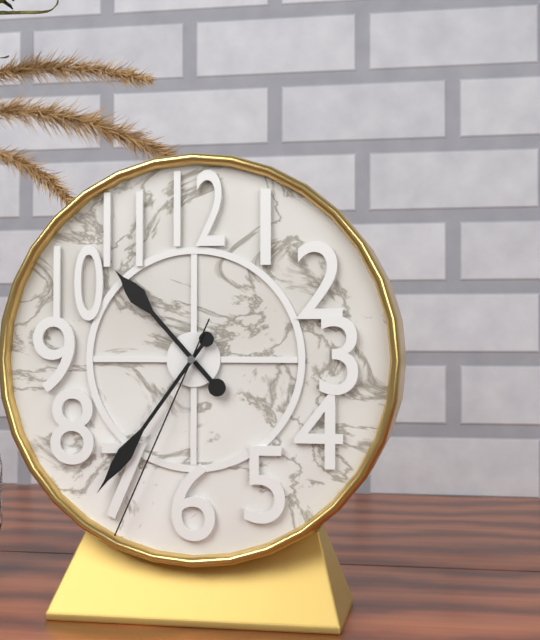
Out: **10:36:34**
